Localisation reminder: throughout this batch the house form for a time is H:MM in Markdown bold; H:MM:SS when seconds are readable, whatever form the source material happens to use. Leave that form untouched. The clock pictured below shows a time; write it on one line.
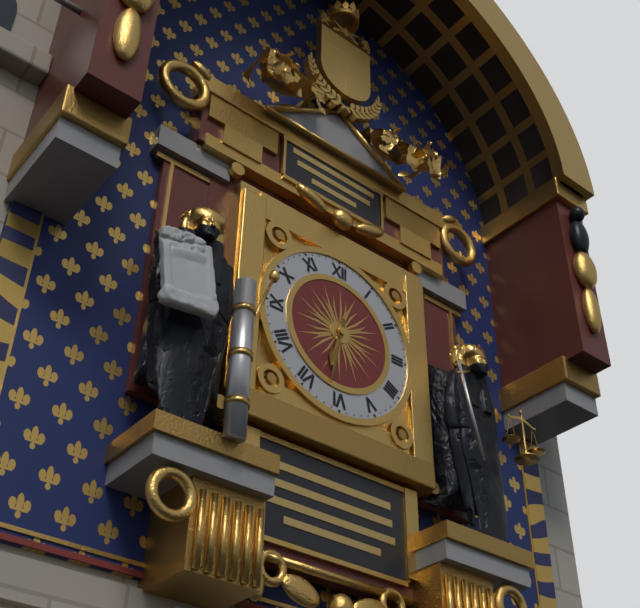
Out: **6:32**
